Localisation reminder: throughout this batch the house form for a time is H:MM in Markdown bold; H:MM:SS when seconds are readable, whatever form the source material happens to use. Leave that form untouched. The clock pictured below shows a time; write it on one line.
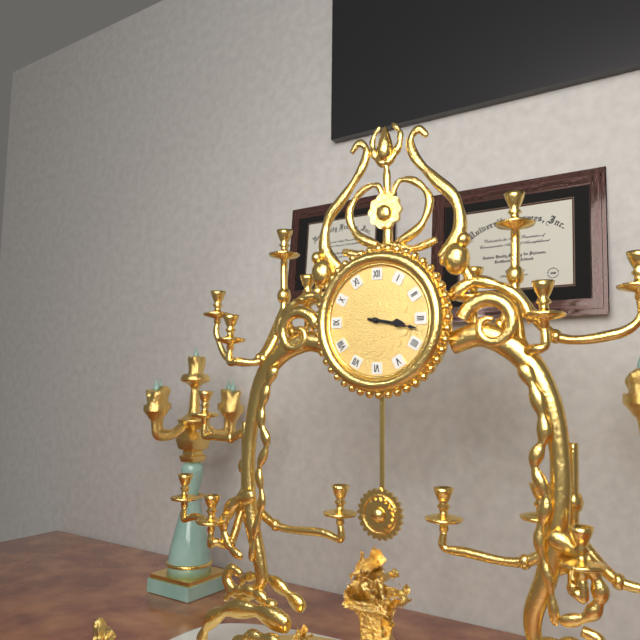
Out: **3:17**
